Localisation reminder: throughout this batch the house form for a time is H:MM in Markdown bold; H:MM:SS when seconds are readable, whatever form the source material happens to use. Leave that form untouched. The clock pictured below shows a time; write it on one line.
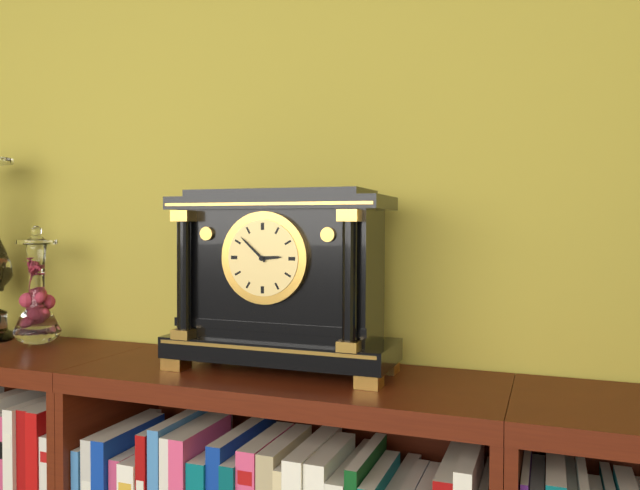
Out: **2:52**
